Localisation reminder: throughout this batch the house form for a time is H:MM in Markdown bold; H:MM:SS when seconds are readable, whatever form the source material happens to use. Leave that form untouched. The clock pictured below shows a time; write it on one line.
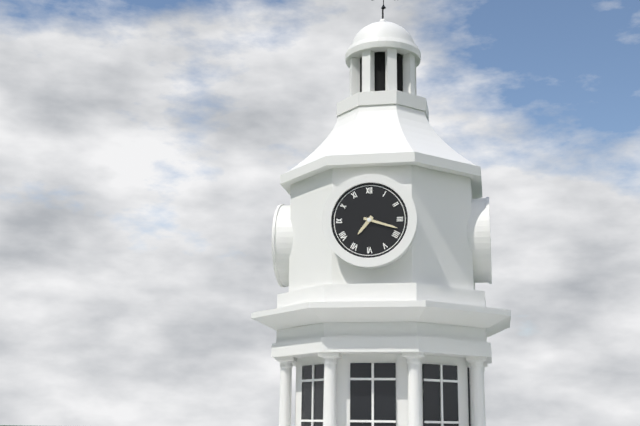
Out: **7:18**
